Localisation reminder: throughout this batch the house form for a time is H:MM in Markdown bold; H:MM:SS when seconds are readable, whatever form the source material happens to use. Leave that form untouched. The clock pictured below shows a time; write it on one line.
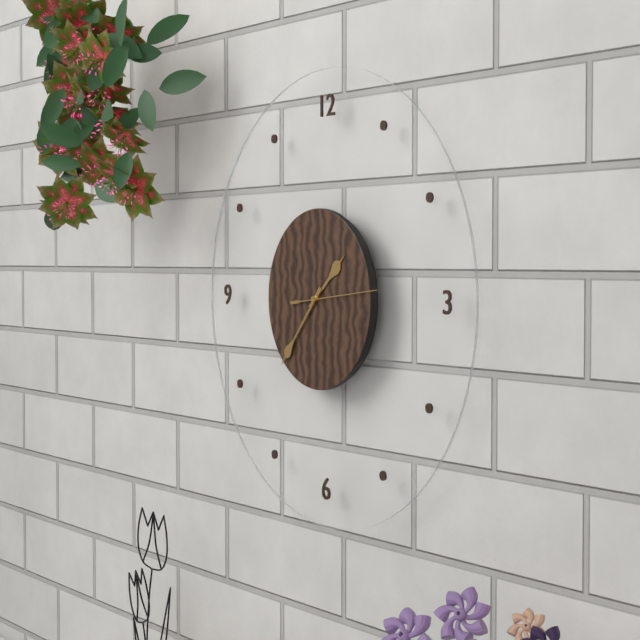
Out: **1:37:14**
